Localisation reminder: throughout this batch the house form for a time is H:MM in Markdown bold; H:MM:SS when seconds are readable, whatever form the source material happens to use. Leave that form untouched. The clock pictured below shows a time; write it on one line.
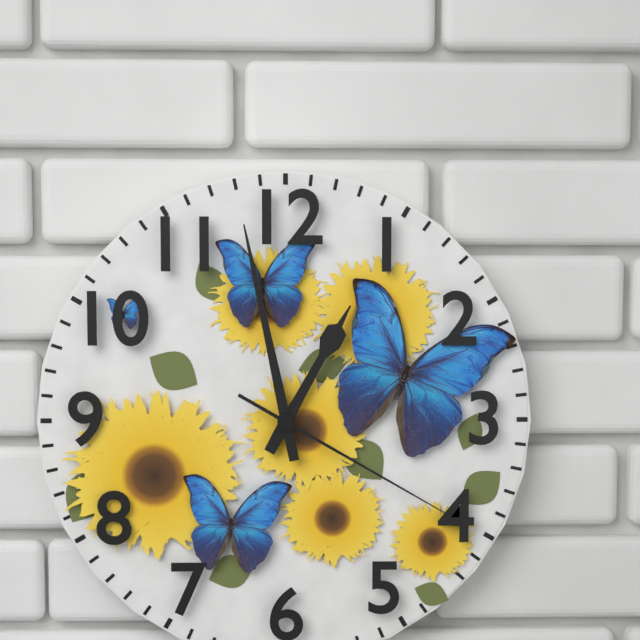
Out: **12:58:20**
